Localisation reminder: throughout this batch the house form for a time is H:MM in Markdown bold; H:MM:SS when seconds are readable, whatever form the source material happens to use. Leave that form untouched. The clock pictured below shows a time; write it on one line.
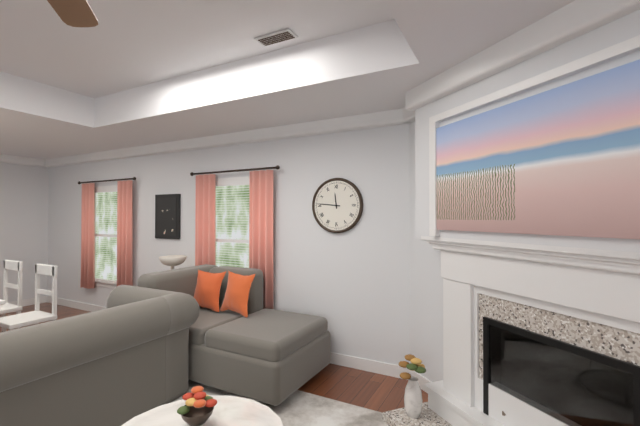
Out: **11:46**
